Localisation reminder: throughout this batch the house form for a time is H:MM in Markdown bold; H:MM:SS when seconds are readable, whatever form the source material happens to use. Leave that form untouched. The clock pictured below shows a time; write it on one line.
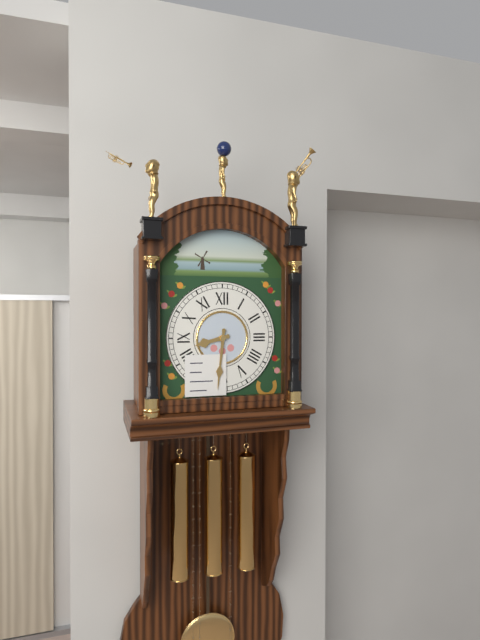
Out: **8:31**
